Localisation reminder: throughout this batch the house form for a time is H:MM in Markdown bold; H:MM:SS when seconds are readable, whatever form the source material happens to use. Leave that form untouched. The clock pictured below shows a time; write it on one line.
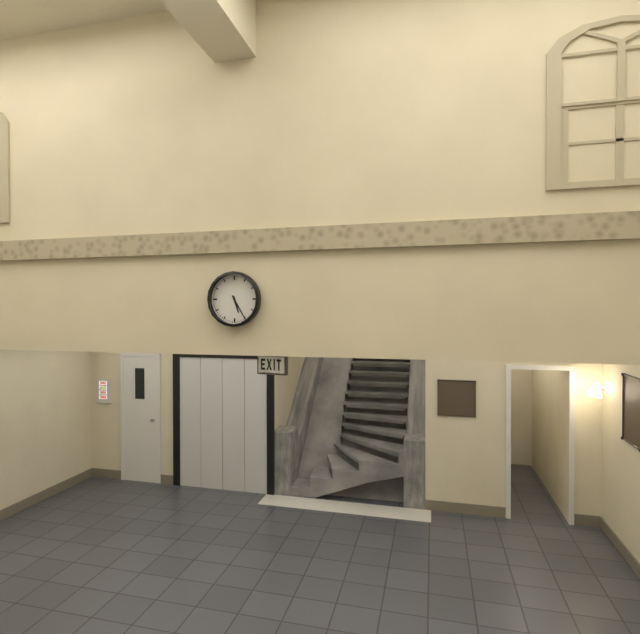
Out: **5:25**
